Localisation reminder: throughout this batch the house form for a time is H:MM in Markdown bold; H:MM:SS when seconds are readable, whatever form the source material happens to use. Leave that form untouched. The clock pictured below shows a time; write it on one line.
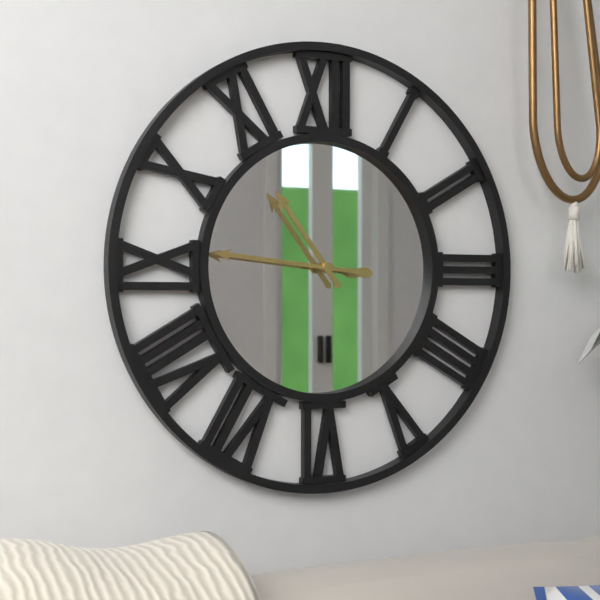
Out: **10:46**
